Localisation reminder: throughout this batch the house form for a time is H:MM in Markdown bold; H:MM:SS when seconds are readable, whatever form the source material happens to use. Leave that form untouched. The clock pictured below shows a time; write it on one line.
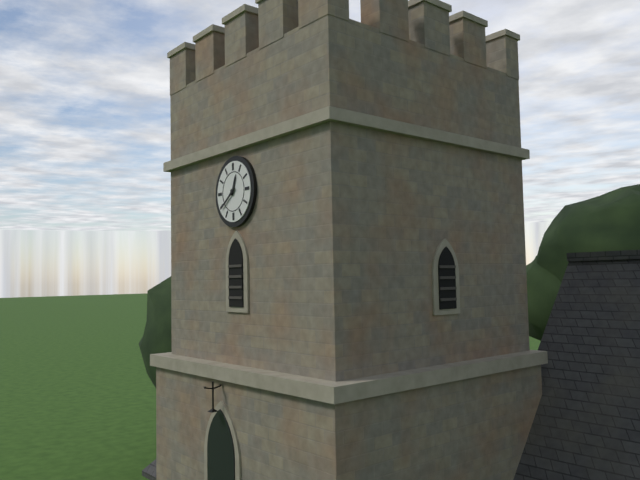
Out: **12:39**
